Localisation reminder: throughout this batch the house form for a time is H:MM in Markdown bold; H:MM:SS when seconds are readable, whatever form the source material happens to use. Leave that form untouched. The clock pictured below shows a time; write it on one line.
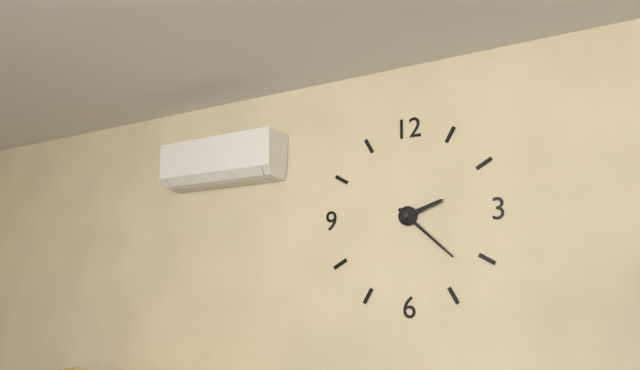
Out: **2:22**
